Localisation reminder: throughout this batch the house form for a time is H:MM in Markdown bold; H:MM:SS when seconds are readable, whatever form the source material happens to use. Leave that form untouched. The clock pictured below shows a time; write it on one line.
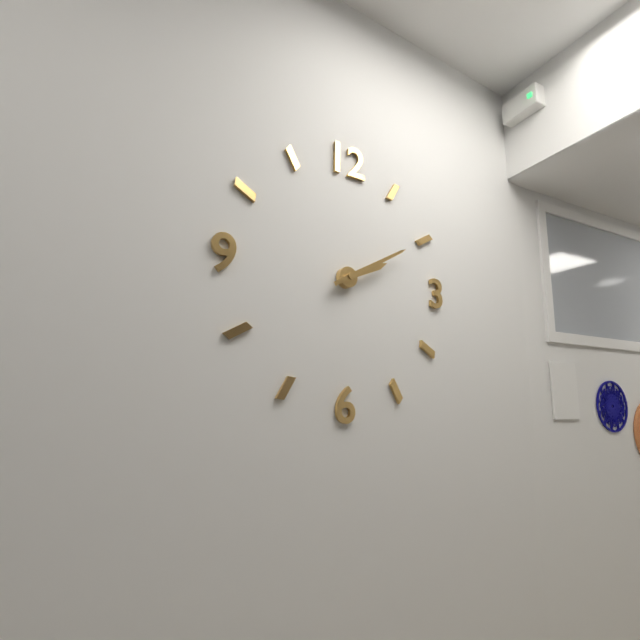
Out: **2:10**
